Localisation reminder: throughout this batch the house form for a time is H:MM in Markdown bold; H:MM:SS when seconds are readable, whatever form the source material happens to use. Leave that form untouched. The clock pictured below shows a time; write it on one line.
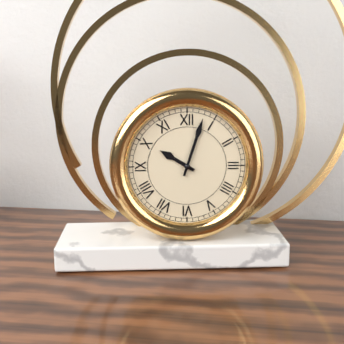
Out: **10:03**
